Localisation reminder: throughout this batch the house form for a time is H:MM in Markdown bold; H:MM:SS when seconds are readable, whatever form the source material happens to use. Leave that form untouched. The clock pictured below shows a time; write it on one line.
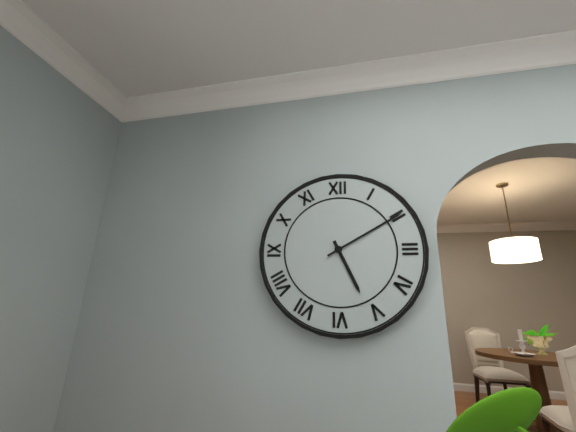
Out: **5:10**
